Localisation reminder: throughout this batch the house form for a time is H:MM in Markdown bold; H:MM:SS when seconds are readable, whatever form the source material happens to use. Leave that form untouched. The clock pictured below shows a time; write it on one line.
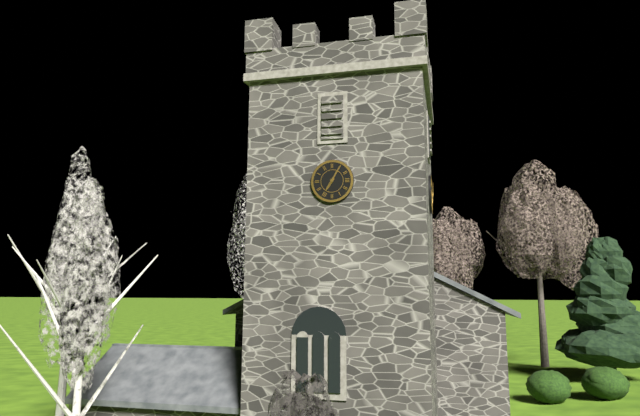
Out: **7:05**
